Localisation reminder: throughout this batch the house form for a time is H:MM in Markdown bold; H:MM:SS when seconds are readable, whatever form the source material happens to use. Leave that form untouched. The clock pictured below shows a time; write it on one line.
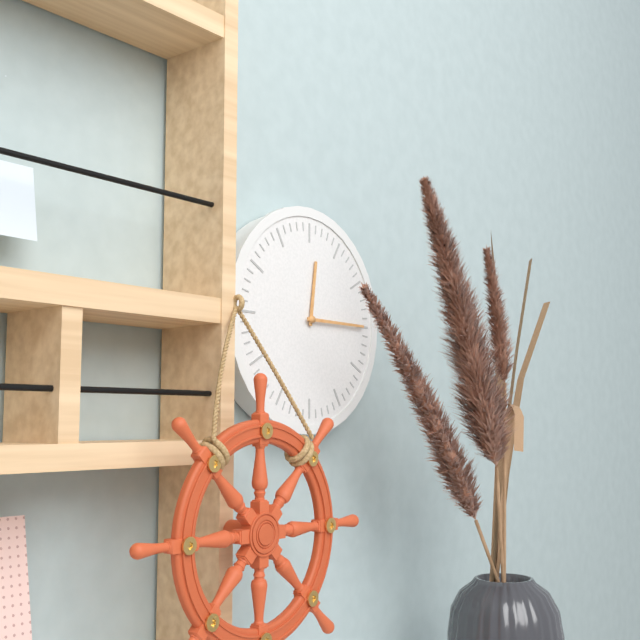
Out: **12:15**
